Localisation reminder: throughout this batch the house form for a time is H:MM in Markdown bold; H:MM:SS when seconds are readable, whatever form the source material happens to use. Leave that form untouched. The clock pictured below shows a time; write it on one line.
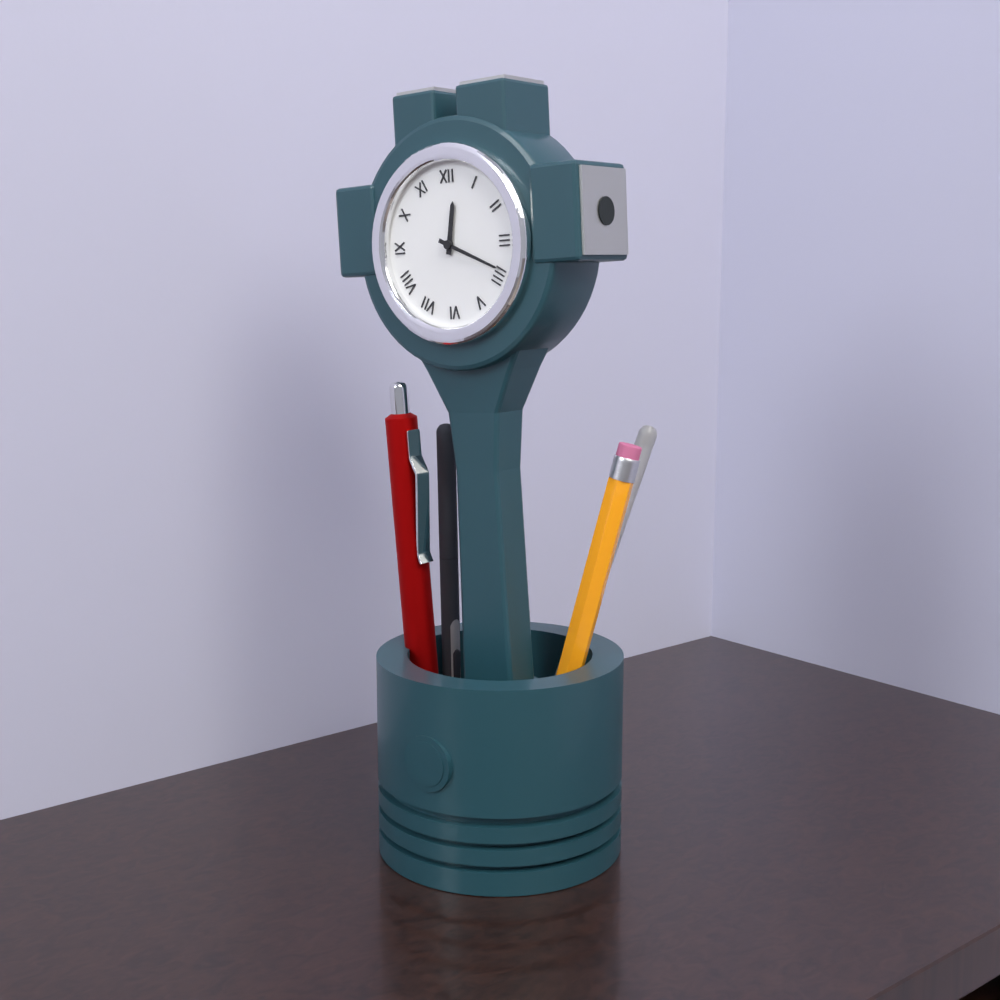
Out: **12:19**
